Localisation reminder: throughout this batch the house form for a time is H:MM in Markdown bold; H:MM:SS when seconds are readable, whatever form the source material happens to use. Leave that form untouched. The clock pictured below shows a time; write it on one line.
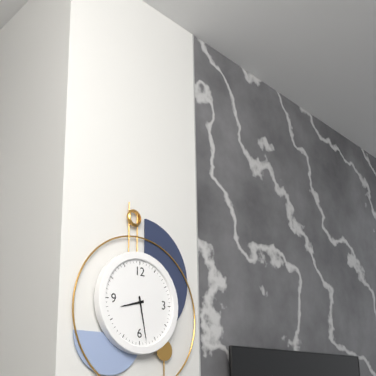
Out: **8:28**
